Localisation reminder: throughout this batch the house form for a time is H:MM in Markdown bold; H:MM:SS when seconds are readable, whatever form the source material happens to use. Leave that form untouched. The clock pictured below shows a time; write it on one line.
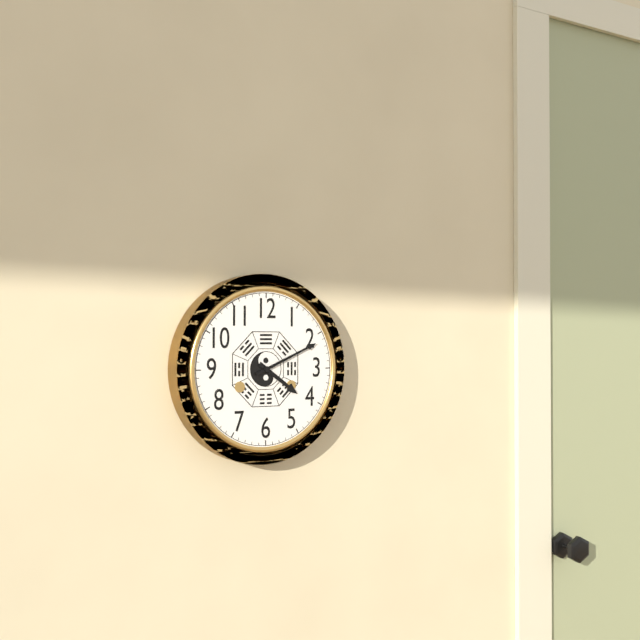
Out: **4:11**
